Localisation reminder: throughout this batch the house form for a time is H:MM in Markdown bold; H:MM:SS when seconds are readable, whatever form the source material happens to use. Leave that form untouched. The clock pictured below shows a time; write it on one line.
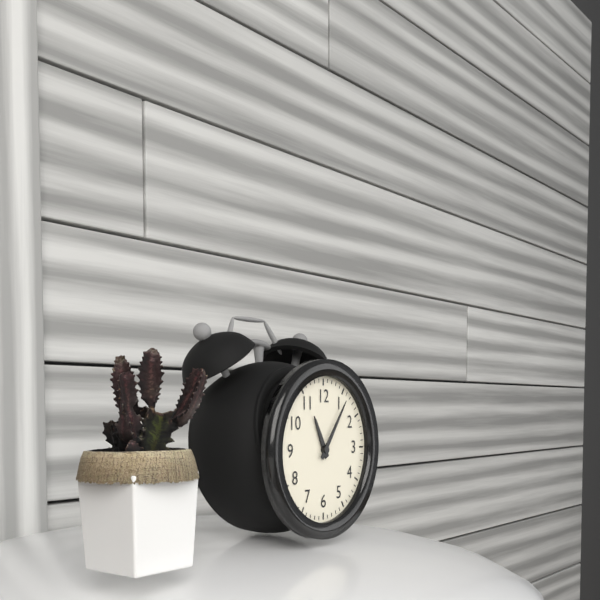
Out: **11:06**
